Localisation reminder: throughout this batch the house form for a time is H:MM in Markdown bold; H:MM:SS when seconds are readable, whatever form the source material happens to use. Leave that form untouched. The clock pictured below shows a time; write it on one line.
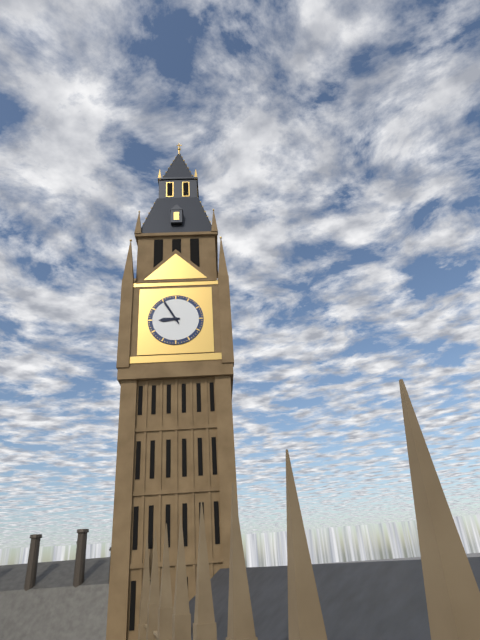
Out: **8:55**
